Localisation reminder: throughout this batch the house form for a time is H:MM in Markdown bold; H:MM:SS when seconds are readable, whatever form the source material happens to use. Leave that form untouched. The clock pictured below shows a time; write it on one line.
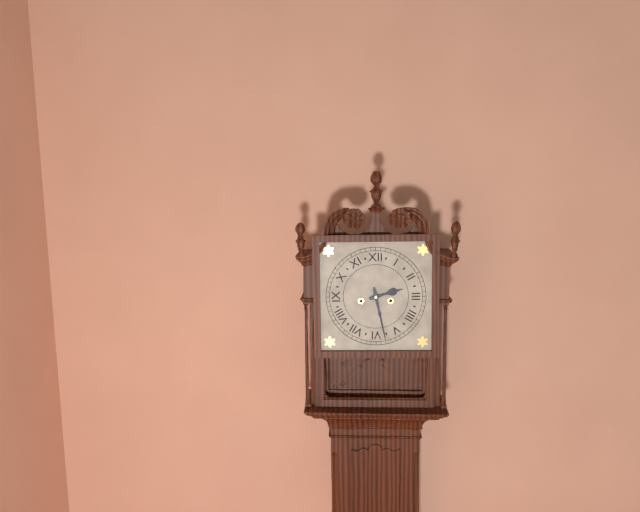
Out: **2:28**
